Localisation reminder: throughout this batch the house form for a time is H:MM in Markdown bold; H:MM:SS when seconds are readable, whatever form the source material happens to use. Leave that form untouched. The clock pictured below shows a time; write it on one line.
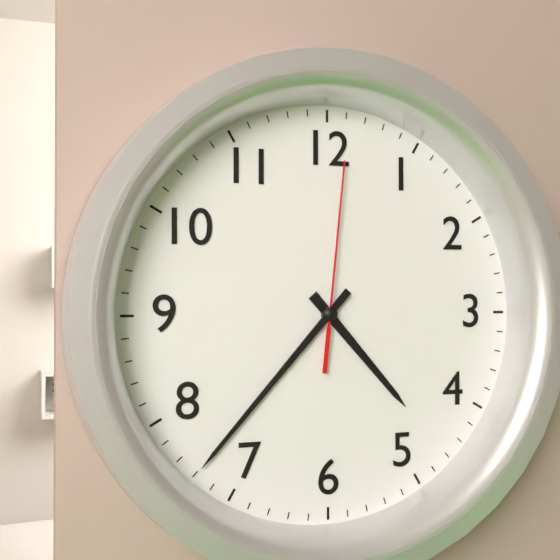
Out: **4:37:01**
